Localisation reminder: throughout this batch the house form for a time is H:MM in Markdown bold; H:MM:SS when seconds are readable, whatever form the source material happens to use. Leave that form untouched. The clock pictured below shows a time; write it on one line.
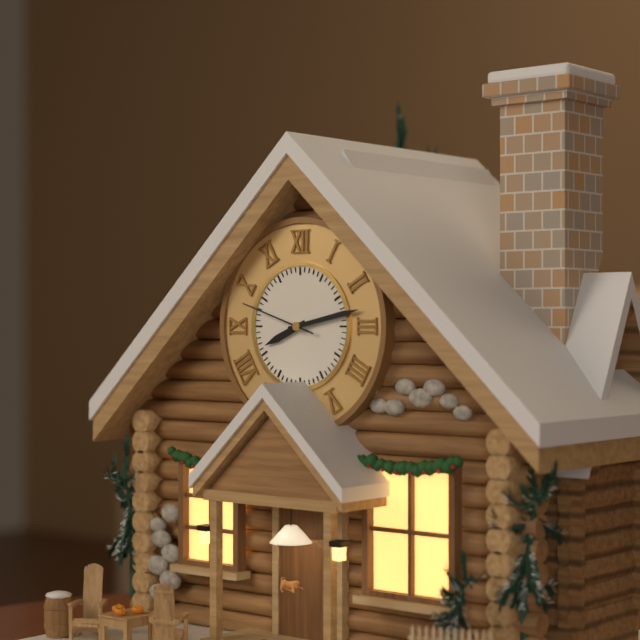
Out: **8:13:48**
